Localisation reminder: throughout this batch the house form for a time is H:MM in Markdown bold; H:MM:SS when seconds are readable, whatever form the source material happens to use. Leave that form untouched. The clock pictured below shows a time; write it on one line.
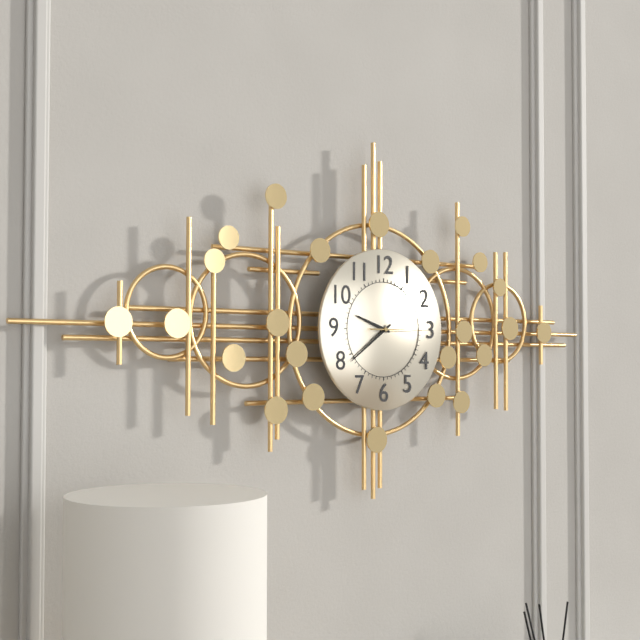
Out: **9:39:15**
